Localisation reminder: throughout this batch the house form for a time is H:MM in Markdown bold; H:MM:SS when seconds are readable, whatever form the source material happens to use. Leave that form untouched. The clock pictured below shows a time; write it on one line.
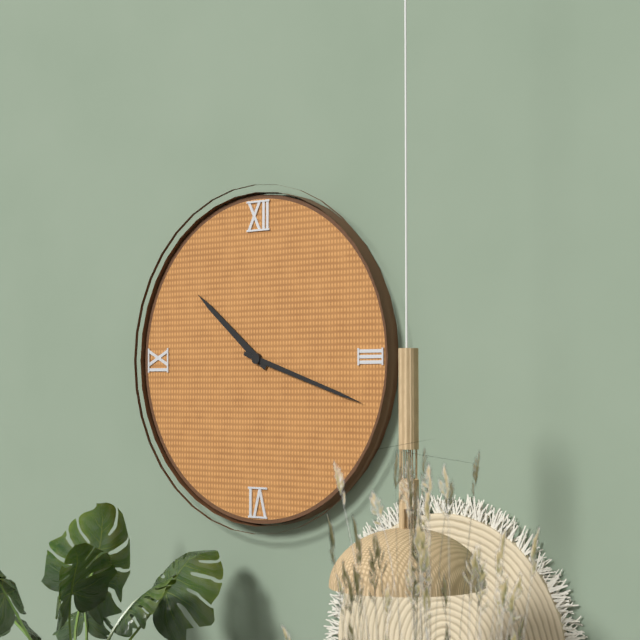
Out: **10:18**
